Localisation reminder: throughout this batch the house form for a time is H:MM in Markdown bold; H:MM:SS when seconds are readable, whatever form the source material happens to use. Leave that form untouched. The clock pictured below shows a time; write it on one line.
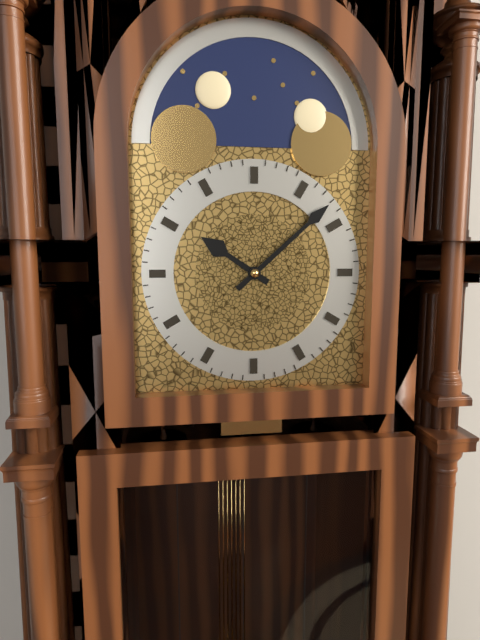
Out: **10:08**
